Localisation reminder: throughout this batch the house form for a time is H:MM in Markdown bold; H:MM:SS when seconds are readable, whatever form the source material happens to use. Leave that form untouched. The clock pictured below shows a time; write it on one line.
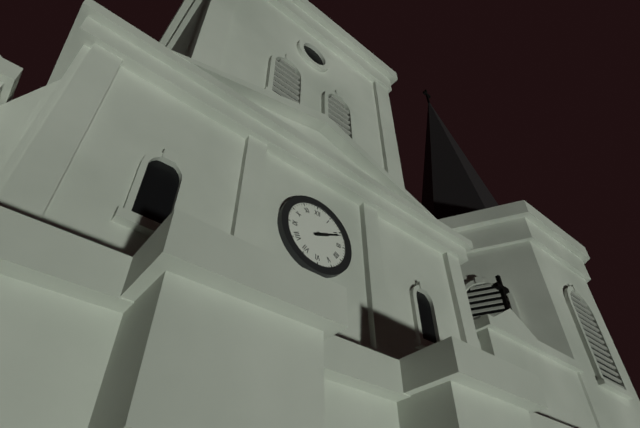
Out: **2:11**
